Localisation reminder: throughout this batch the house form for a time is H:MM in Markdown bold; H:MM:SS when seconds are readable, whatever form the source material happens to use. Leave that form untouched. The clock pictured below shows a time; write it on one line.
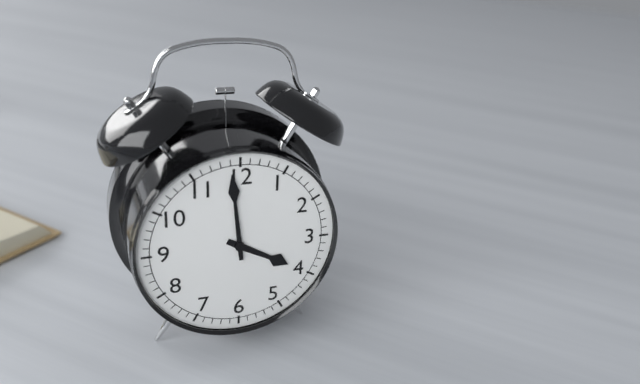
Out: **3:59**
